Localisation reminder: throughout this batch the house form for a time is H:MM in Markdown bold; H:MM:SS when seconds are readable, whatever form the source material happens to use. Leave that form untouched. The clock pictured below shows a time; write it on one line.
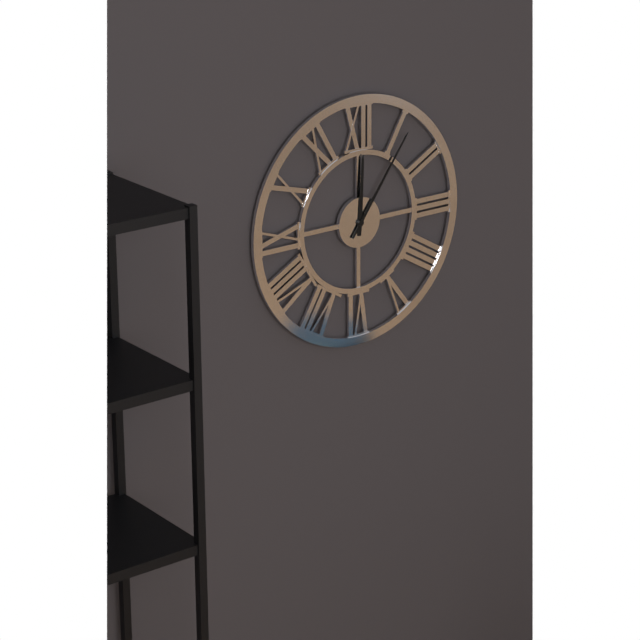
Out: **12:06**
